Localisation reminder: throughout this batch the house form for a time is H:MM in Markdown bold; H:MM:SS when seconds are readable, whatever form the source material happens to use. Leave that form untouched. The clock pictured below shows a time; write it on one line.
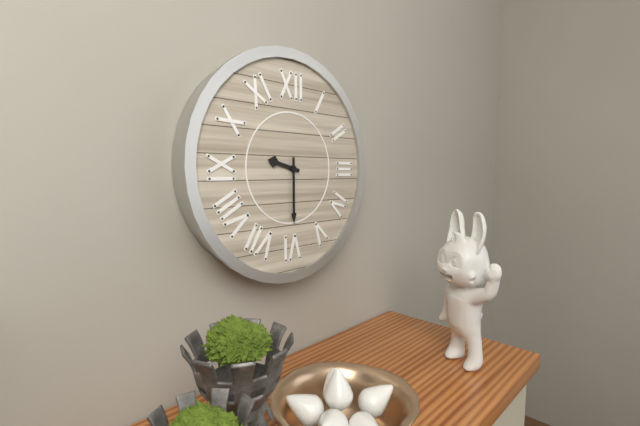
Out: **9:30**
